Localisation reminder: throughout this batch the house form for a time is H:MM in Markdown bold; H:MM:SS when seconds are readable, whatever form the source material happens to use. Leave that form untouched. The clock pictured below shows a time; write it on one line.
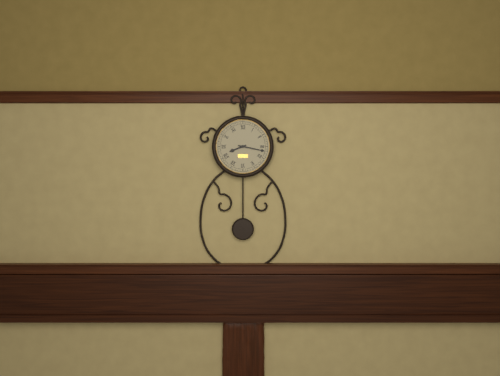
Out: **8:17**
